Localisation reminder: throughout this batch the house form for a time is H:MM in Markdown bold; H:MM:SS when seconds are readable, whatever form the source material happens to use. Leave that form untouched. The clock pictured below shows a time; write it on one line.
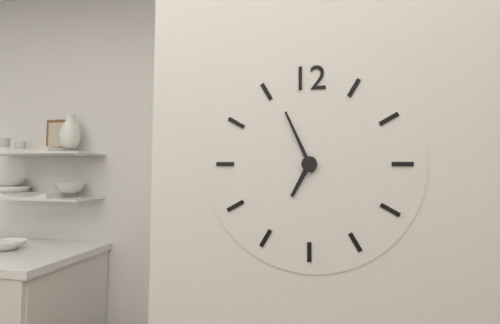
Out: **6:56**
